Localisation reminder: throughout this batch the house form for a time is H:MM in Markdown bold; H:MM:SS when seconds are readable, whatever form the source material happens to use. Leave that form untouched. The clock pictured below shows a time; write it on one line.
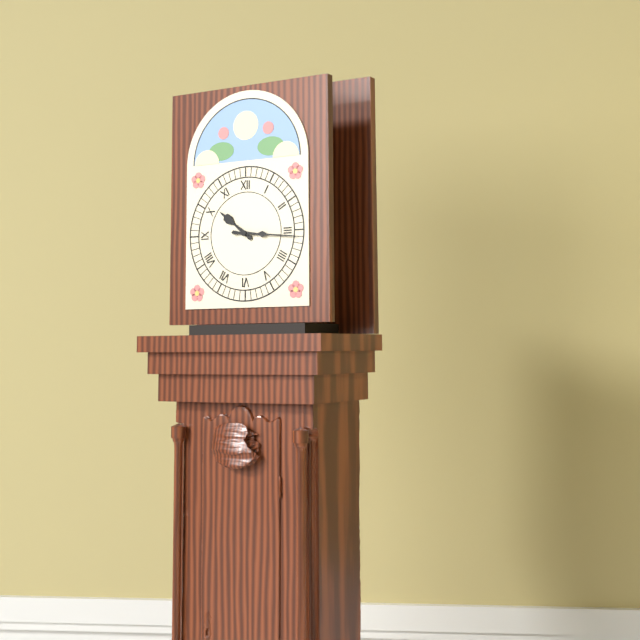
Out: **10:16**
